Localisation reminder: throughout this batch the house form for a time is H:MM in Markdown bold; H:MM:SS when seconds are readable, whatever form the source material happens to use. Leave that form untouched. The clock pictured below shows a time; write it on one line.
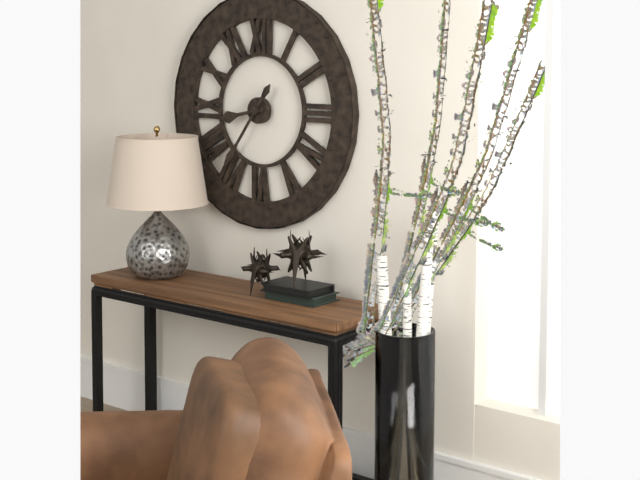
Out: **8:36**
